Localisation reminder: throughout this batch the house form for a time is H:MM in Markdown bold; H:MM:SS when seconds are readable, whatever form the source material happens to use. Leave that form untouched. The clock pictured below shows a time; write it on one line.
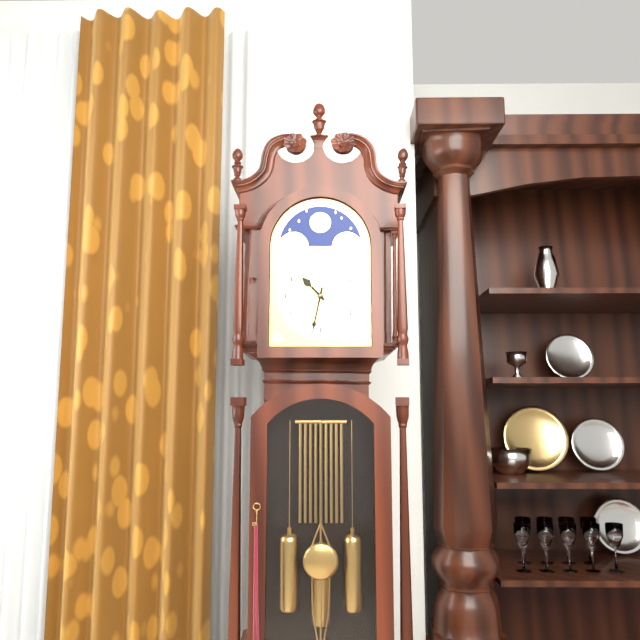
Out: **10:32**
